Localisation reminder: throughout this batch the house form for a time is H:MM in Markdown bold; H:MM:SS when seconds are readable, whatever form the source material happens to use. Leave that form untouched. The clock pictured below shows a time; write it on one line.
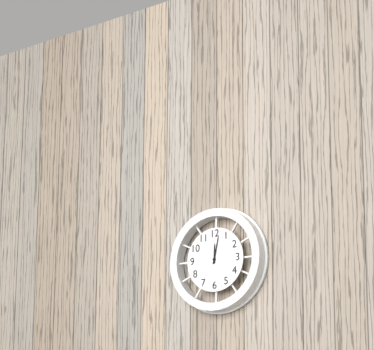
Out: **12:02**
